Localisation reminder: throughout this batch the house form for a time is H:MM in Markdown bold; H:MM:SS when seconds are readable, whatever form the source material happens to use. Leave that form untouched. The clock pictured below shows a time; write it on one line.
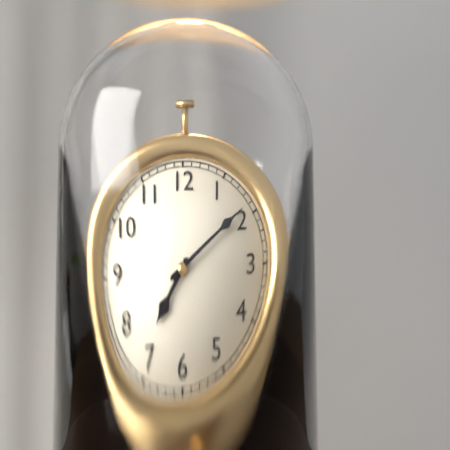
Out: **7:09**
